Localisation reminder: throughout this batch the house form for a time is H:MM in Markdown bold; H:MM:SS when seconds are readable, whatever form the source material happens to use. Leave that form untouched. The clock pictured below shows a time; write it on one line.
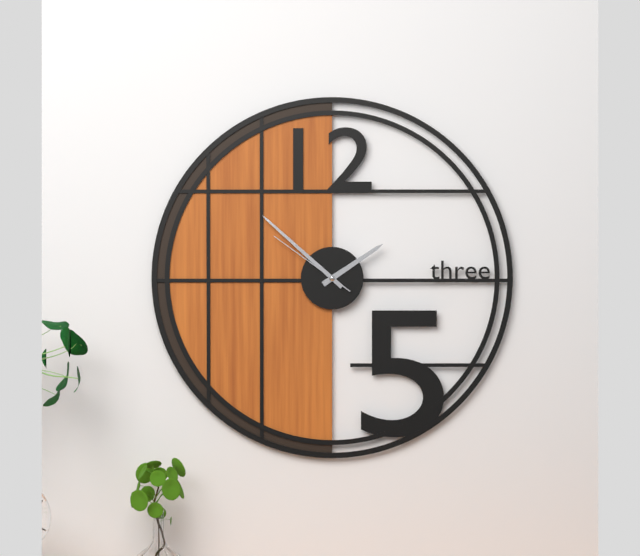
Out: **1:52:51**
